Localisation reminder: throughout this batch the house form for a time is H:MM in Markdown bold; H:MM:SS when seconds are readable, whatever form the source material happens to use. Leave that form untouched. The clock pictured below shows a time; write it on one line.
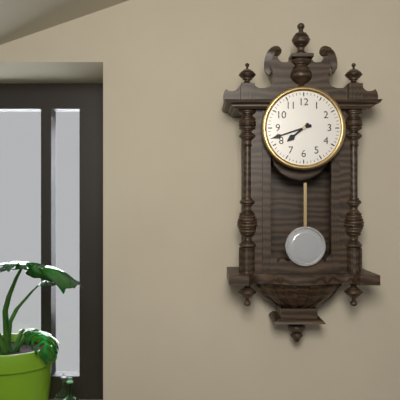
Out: **7:42**
